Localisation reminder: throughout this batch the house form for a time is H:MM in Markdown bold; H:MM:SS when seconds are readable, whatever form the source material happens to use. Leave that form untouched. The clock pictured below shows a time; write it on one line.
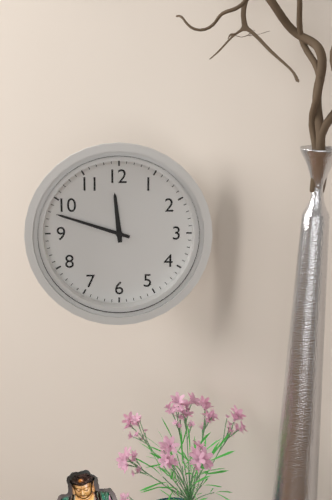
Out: **11:48**
